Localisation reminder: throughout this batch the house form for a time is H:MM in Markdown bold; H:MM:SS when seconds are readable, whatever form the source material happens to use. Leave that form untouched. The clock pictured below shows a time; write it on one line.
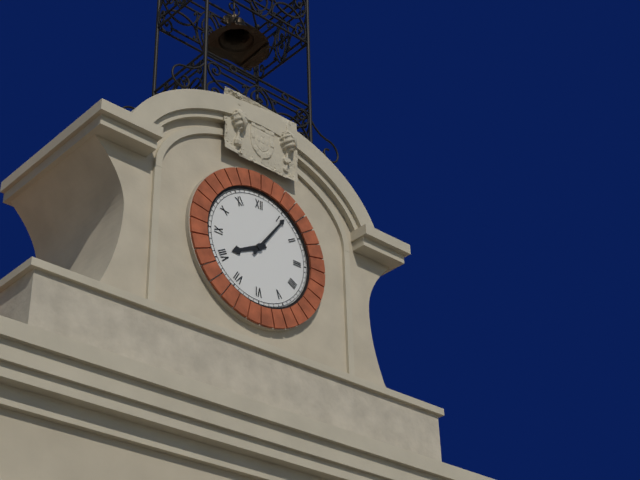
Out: **8:06**
